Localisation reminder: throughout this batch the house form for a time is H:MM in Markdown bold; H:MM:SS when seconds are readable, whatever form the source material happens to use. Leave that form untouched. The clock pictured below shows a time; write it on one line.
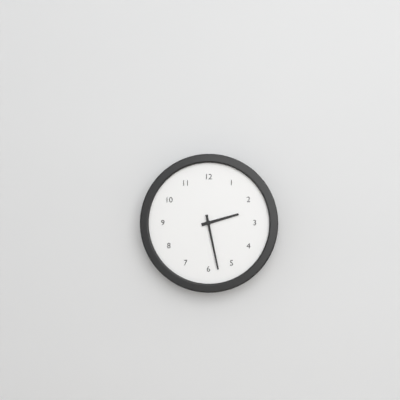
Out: **2:28**
